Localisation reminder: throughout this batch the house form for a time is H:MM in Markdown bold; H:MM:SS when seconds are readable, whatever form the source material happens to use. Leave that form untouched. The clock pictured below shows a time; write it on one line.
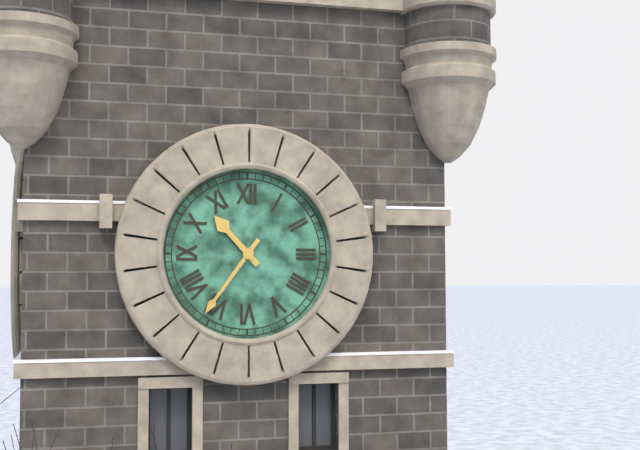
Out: **10:36**
